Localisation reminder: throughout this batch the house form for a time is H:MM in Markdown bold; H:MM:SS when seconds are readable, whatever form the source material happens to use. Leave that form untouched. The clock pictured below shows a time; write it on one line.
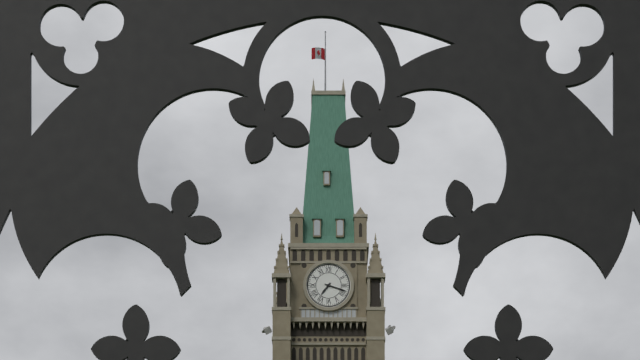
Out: **7:18**
